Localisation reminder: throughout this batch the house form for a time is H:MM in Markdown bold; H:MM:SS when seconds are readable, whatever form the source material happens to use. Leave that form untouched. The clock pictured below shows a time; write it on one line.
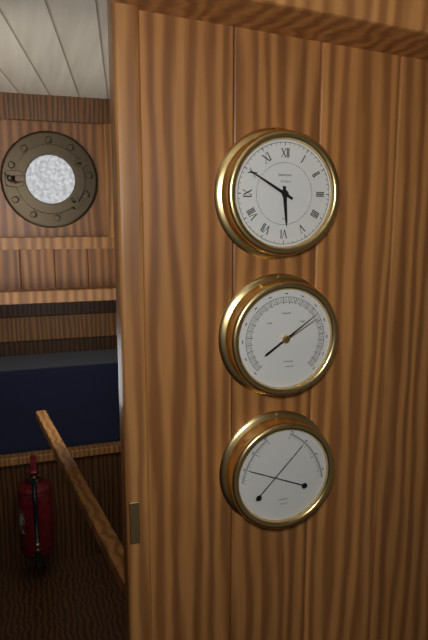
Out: **5:50**
